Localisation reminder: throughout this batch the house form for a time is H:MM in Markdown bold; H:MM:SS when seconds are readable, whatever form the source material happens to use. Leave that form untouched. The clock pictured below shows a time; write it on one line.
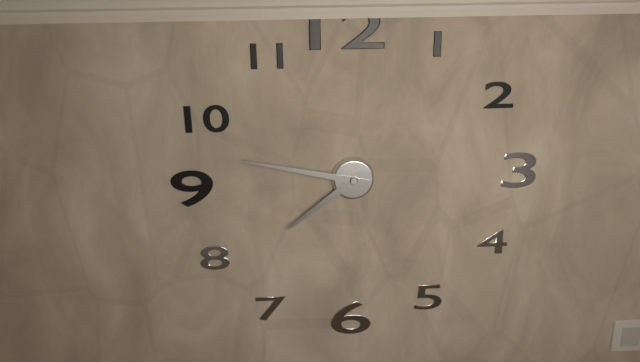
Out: **7:47**
